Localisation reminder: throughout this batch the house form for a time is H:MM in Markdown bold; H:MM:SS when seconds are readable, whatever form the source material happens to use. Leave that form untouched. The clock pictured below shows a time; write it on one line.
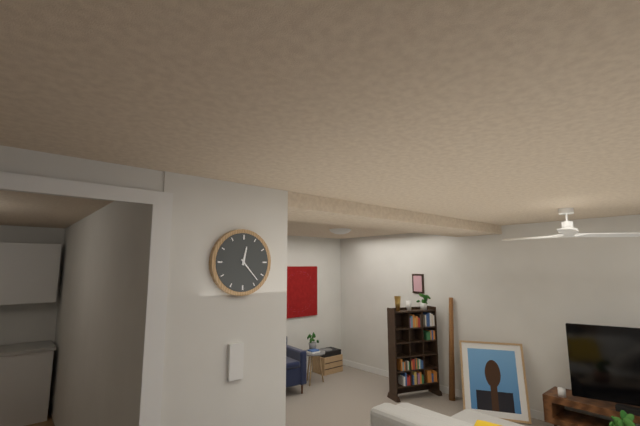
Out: **12:23**
